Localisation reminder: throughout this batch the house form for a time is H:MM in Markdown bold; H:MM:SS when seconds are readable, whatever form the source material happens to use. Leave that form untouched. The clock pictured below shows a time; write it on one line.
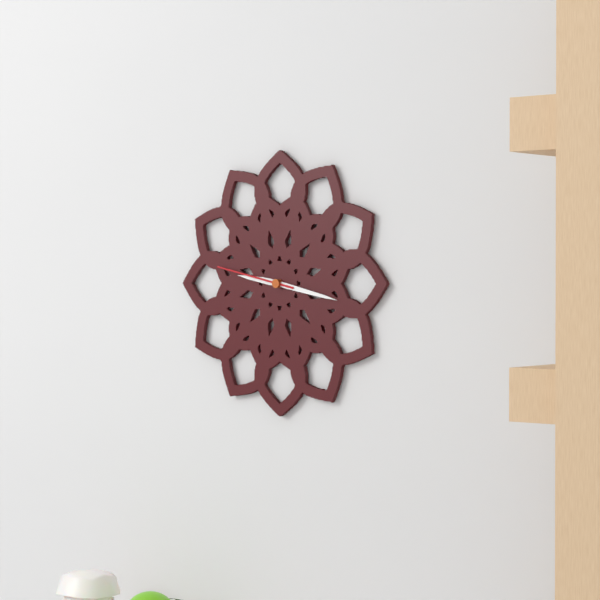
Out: **9:17:47**
